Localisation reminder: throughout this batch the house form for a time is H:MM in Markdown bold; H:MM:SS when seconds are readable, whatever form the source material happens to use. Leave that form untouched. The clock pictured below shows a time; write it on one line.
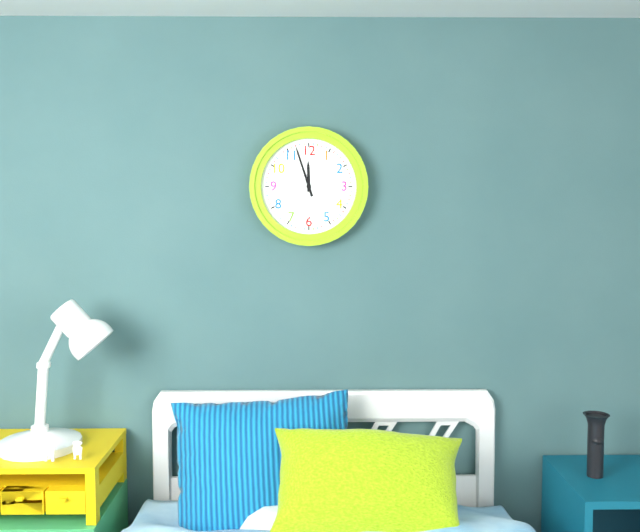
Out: **11:57**
